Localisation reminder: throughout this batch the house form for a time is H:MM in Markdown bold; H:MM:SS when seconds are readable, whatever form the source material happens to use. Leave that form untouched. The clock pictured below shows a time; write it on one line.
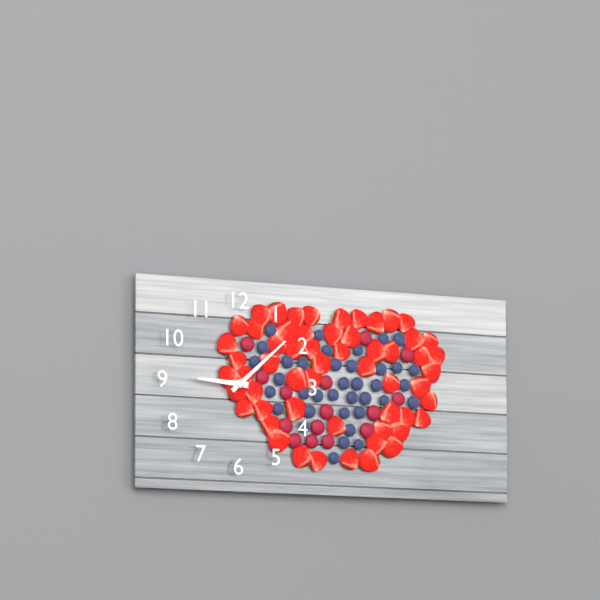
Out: **9:08**
